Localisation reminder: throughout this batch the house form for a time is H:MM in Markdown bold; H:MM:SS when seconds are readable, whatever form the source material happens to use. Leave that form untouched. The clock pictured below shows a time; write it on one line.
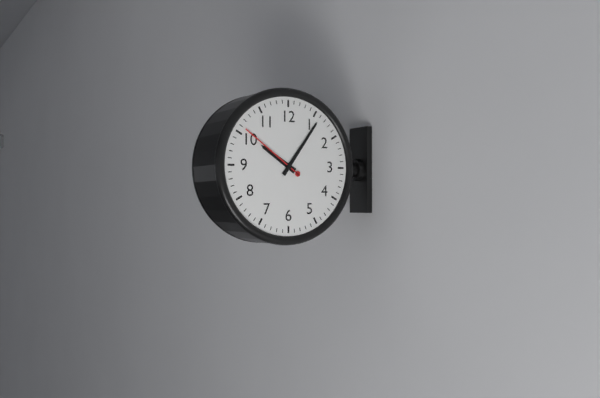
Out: **10:06:51**
